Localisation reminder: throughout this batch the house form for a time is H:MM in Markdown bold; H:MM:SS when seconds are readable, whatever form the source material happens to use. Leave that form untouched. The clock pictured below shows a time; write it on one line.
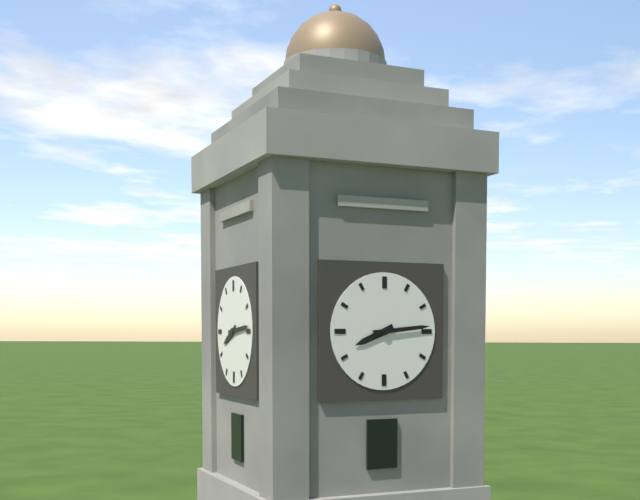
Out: **8:14**
